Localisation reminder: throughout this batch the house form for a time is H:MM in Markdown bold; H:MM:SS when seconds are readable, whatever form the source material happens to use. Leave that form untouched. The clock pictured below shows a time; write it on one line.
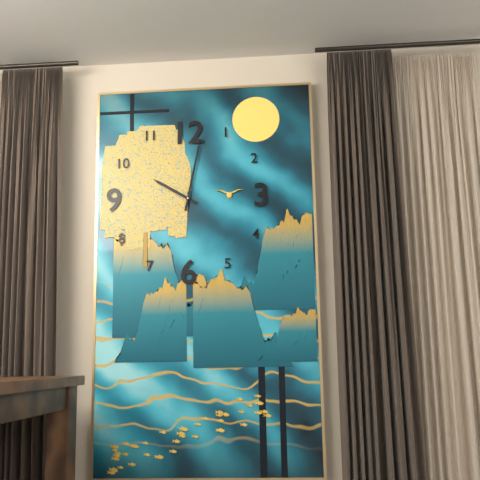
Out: **10:02**
